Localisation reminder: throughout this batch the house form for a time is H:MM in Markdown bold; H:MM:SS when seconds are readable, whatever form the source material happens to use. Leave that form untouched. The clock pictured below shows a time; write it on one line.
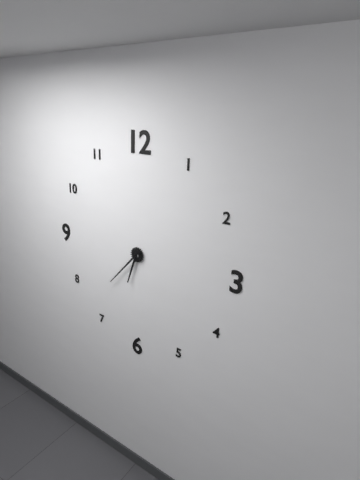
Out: **6:37**
